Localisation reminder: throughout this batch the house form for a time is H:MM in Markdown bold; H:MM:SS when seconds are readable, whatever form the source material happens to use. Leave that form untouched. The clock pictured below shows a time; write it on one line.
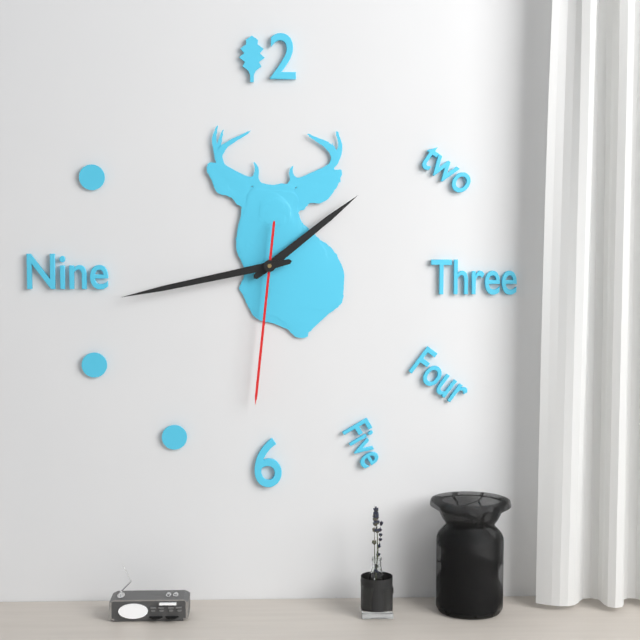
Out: **1:43:31**
